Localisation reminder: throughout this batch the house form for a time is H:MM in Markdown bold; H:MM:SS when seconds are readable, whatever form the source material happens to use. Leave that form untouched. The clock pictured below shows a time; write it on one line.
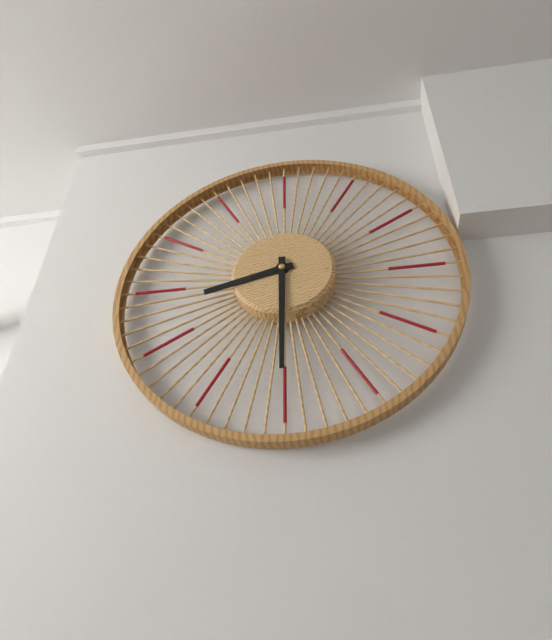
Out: **8:30**
